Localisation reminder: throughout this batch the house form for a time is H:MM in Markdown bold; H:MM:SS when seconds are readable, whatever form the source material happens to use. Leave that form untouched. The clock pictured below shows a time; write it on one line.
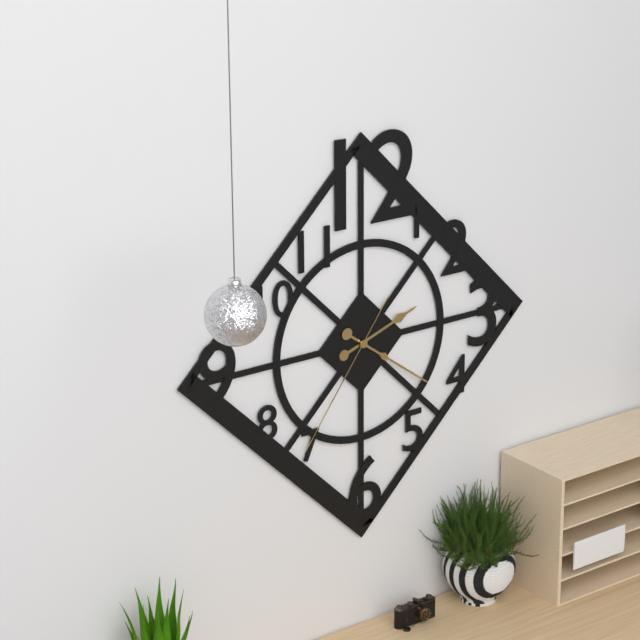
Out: **2:21:36**
